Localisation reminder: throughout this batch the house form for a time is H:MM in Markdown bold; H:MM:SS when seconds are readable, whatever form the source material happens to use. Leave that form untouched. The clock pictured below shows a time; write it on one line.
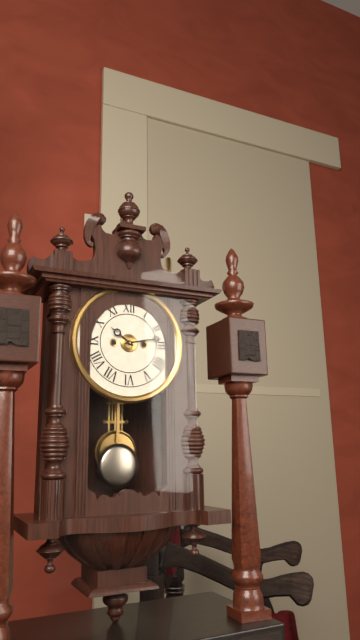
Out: **10:13**
